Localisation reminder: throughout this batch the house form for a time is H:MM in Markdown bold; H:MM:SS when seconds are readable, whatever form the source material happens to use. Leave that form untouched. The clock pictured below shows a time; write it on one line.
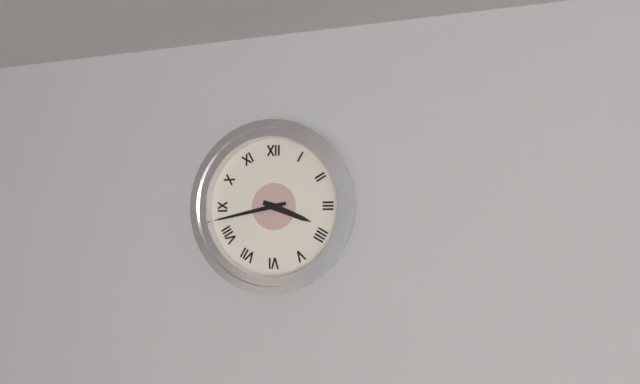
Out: **3:43**
